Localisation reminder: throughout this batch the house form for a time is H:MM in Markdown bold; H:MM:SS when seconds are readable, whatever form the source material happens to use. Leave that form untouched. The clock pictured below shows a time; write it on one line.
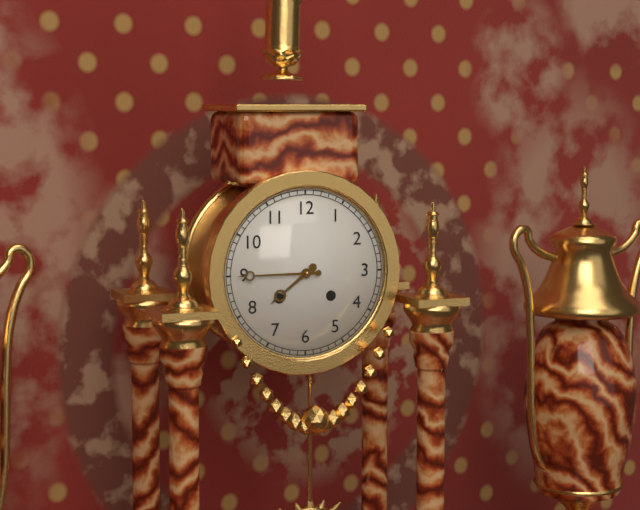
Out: **7:45**
